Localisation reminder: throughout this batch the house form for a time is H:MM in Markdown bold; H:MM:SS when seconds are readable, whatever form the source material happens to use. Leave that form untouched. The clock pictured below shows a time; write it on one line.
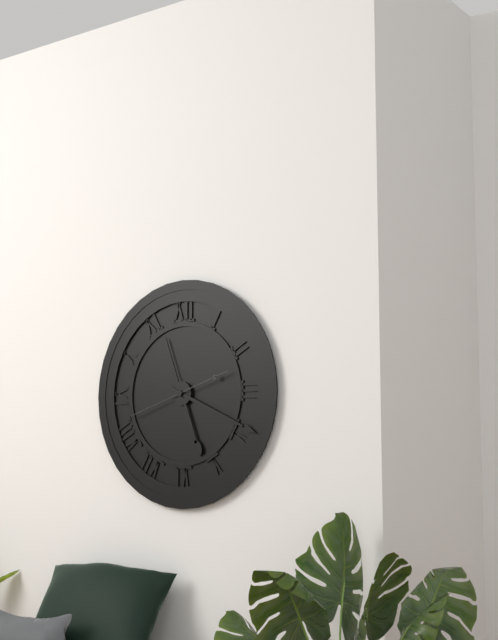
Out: **5:19:42**
